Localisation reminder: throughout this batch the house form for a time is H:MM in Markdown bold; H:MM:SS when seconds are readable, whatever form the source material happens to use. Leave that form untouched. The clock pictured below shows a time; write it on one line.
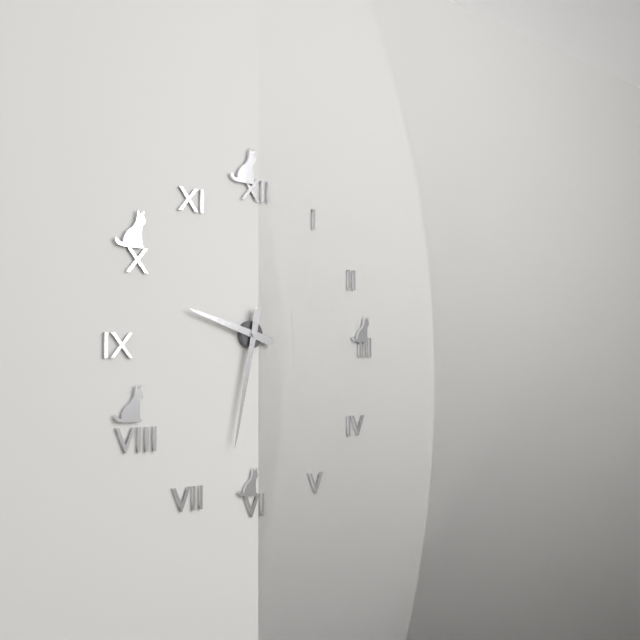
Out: **9:32**
